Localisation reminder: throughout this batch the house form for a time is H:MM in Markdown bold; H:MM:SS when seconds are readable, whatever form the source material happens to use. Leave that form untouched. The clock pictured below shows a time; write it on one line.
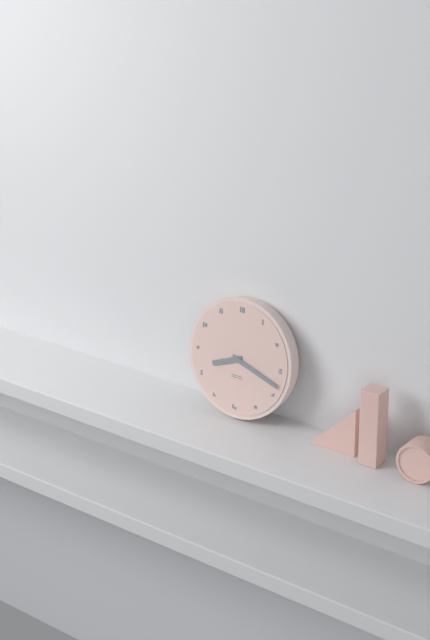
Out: **8:18**
